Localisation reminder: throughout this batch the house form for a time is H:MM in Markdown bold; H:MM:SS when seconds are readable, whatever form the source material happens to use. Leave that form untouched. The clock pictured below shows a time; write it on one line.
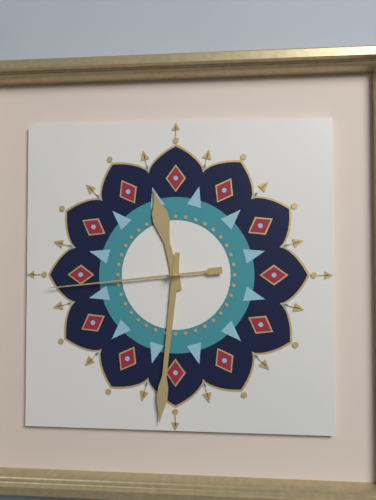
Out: **11:31:44**
